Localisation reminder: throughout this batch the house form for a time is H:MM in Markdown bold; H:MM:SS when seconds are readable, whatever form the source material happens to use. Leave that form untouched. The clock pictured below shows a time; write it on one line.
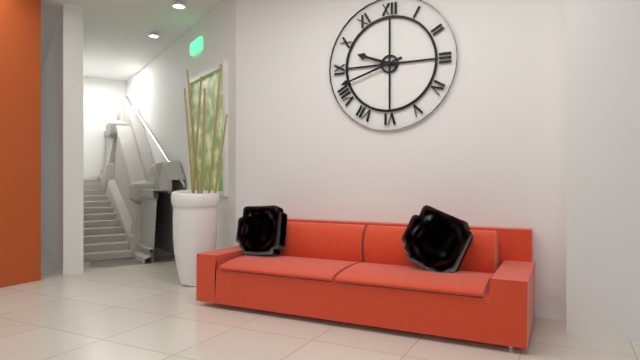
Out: **9:42**
